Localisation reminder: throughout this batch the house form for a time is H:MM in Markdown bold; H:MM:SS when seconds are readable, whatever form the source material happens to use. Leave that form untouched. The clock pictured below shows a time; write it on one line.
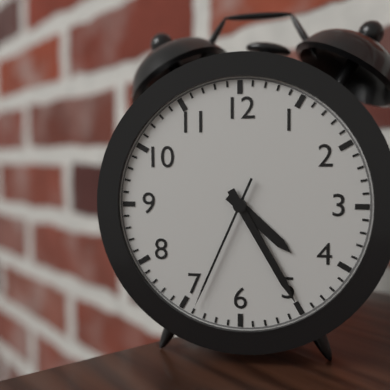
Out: **4:25:34**
